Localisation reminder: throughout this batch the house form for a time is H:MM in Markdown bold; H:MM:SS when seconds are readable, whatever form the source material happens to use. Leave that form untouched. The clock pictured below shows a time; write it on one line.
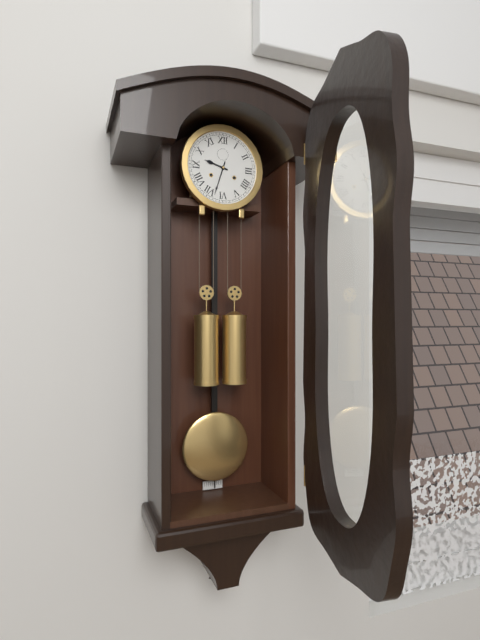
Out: **9:33**
